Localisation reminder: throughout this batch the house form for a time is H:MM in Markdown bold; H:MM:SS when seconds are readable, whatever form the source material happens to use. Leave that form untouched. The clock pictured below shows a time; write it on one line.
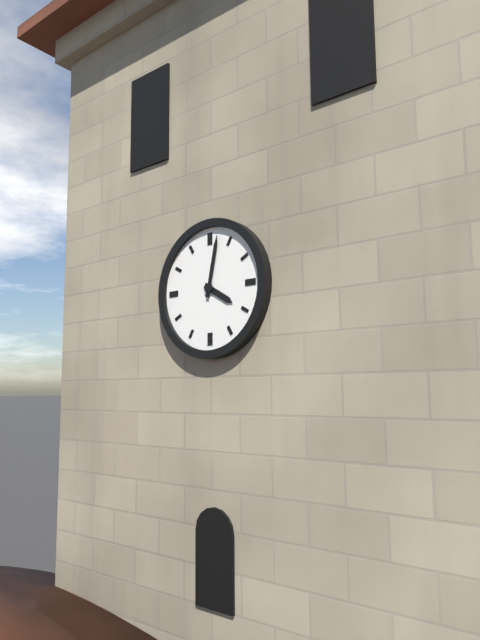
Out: **4:02**
